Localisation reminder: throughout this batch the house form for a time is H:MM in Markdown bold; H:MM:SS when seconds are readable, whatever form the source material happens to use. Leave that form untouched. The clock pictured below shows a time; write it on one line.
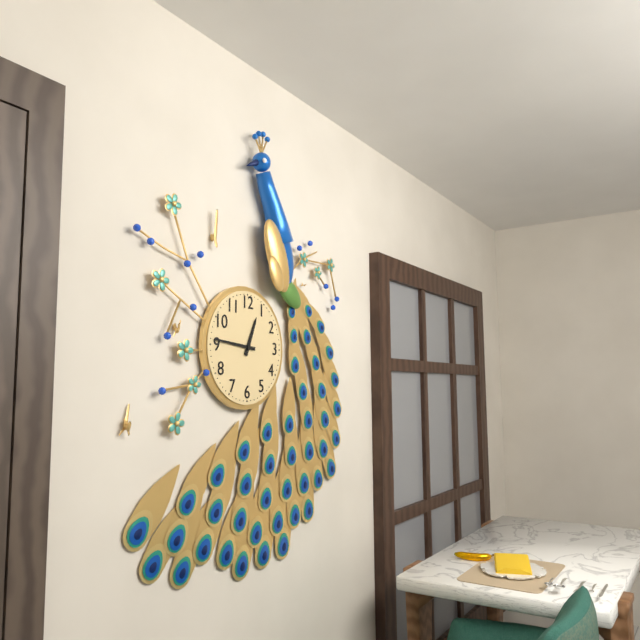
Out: **12:46**
